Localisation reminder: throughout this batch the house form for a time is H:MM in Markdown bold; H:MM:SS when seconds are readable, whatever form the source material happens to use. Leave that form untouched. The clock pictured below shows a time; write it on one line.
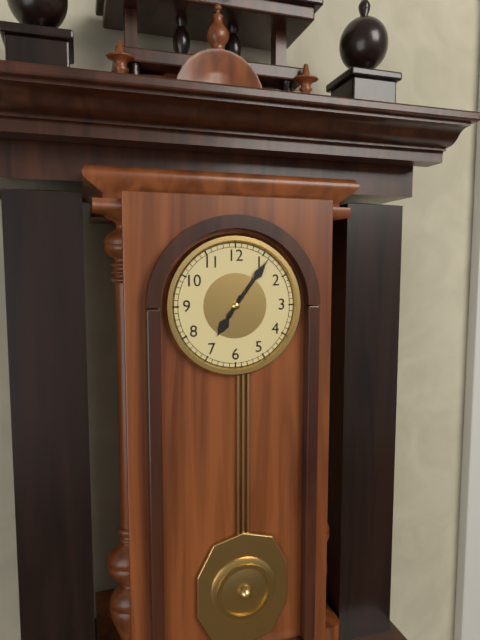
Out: **7:06**
